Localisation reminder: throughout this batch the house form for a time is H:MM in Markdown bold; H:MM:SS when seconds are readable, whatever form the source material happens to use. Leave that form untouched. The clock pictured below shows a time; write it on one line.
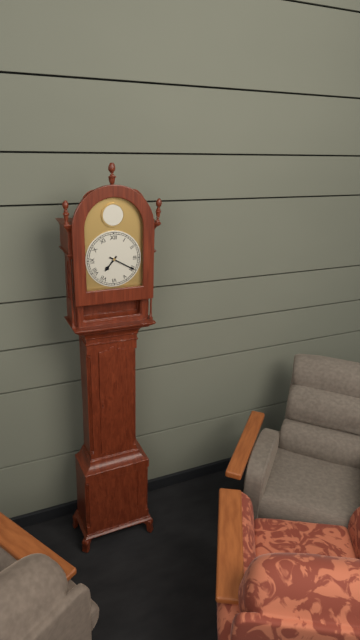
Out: **7:20**
